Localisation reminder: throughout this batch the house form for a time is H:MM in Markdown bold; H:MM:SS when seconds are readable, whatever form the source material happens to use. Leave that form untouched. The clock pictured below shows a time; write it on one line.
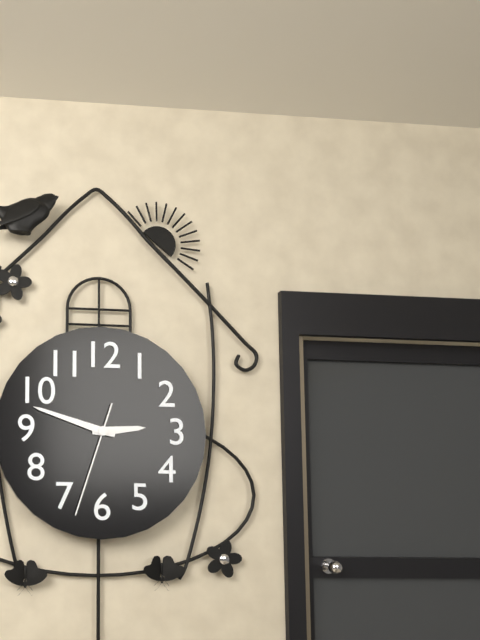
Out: **2:48:33**
